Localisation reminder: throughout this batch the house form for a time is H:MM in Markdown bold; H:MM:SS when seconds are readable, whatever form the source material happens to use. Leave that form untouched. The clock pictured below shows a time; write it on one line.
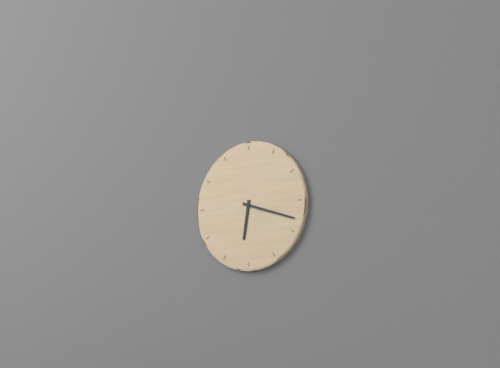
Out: **6:18**
